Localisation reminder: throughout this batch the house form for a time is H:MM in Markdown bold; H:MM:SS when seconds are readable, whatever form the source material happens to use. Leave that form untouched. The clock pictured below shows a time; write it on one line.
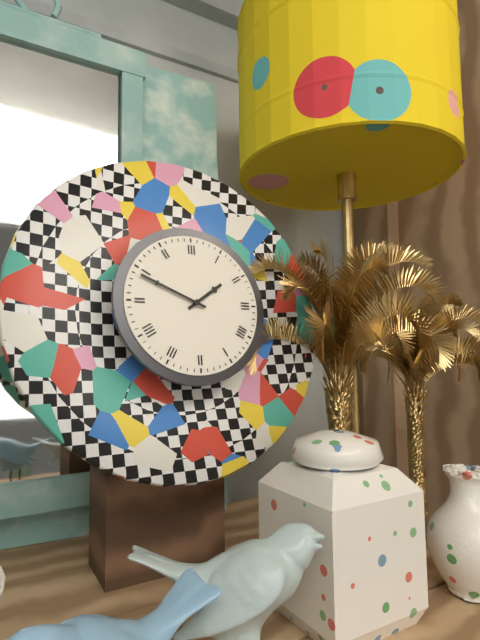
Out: **1:49**
